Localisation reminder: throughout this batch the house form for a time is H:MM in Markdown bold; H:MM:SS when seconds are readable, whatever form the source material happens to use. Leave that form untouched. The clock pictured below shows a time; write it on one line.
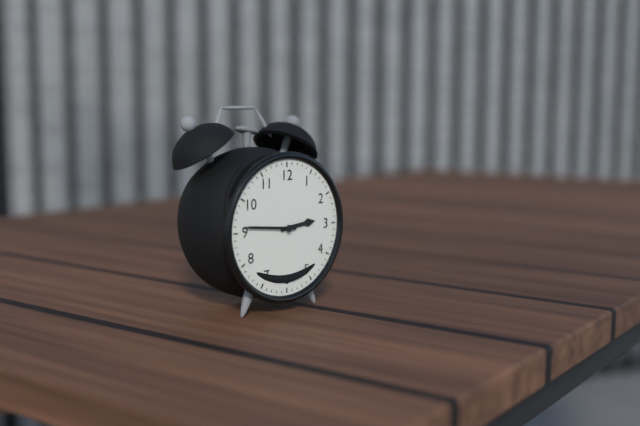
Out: **2:46**
